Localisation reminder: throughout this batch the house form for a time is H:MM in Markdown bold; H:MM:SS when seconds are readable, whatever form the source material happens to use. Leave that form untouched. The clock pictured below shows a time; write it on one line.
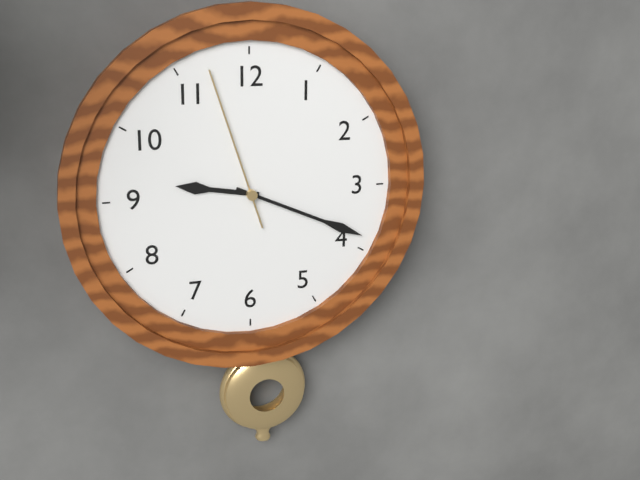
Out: **9:19:57**
